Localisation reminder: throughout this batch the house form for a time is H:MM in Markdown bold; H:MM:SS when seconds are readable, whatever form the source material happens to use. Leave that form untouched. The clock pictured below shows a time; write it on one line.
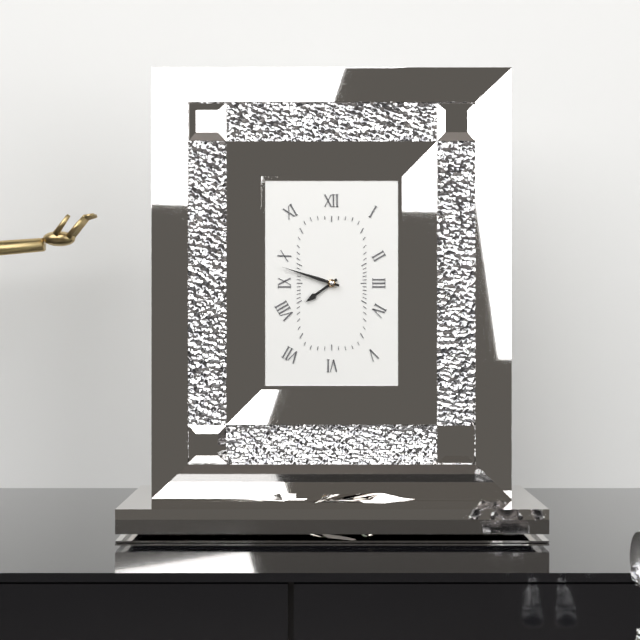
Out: **7:48**
